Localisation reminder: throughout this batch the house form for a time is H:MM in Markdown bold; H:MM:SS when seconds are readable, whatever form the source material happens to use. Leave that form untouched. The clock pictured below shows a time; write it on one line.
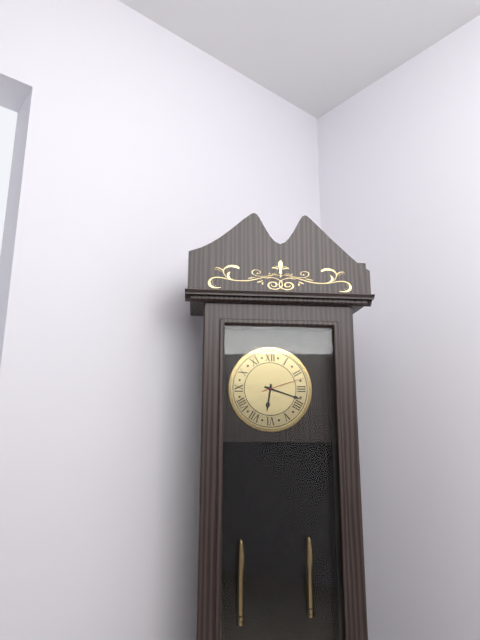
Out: **6:18**
